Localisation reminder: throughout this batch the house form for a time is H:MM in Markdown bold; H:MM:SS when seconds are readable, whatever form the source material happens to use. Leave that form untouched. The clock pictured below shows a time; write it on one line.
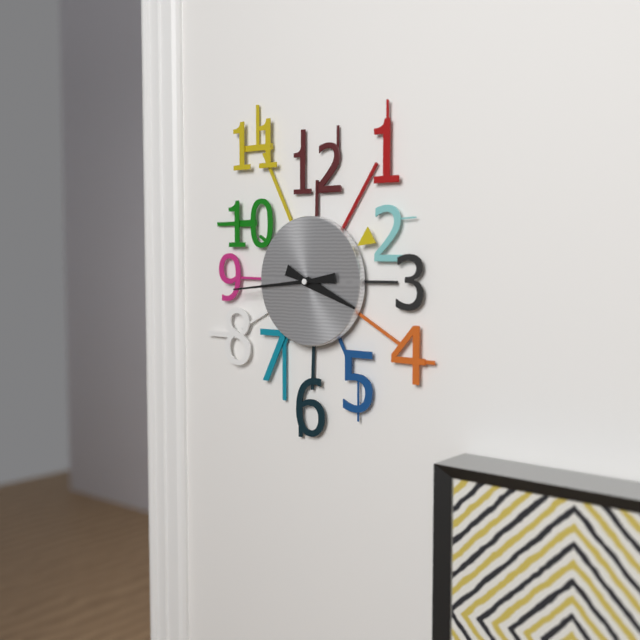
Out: **3:44**
